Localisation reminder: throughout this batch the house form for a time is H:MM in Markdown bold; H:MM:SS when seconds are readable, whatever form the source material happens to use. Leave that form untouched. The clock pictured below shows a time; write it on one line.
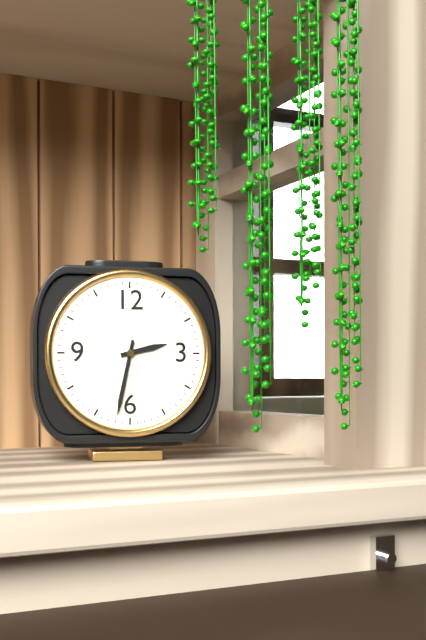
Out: **2:32**
